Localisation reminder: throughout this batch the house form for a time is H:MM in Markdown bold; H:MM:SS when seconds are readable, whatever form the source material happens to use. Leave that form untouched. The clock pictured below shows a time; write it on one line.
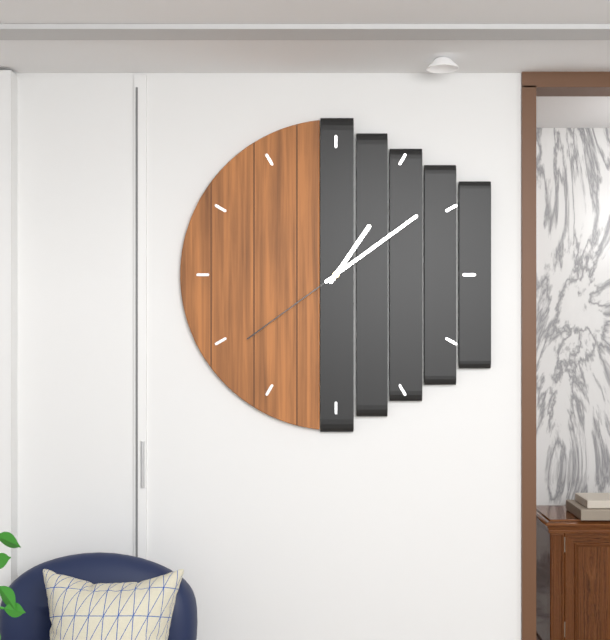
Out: **1:09:39**
